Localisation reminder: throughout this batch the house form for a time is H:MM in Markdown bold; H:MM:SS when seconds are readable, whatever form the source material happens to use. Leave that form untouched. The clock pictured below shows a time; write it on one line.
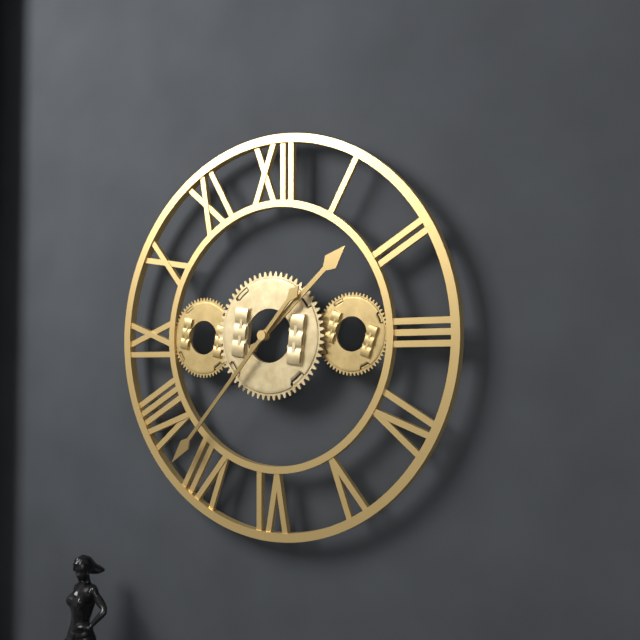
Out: **1:37**
